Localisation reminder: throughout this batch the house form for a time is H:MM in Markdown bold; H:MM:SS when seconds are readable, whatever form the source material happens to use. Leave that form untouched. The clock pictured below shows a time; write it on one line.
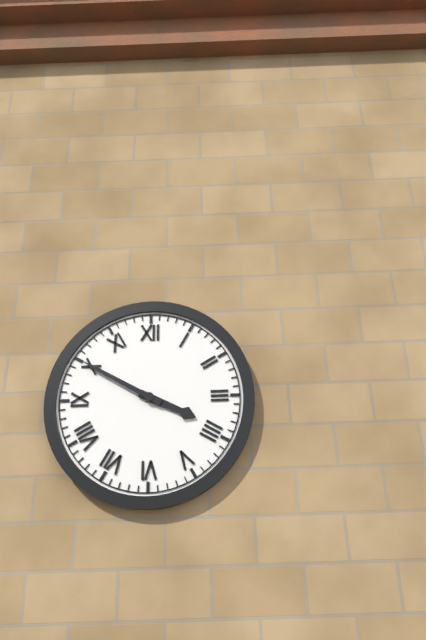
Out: **3:50**
